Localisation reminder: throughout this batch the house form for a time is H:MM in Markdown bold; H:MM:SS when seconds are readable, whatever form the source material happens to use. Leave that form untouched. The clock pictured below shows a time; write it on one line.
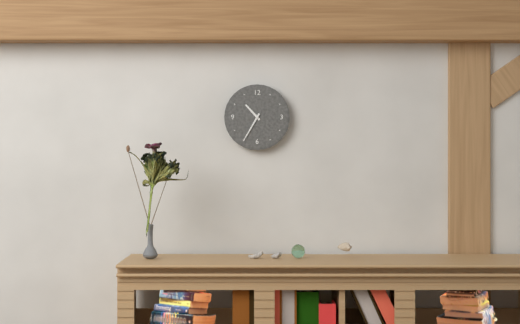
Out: **10:35**
